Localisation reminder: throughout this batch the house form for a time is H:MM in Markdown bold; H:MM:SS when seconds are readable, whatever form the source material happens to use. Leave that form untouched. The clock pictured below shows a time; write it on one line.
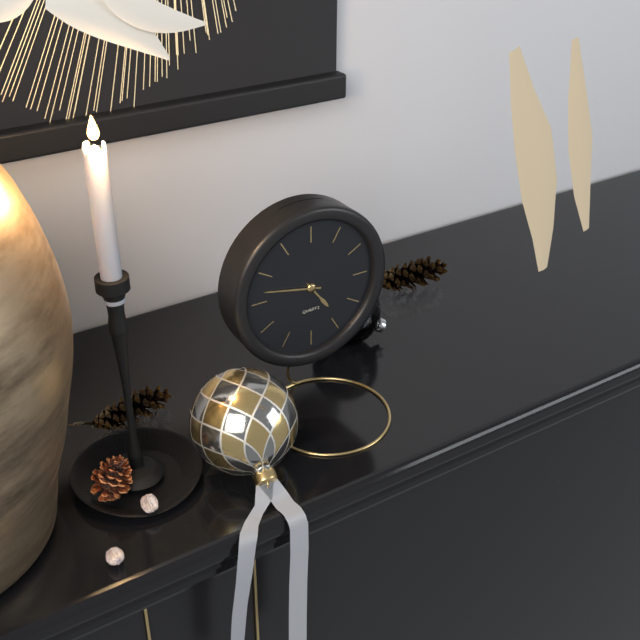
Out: **4:47**
